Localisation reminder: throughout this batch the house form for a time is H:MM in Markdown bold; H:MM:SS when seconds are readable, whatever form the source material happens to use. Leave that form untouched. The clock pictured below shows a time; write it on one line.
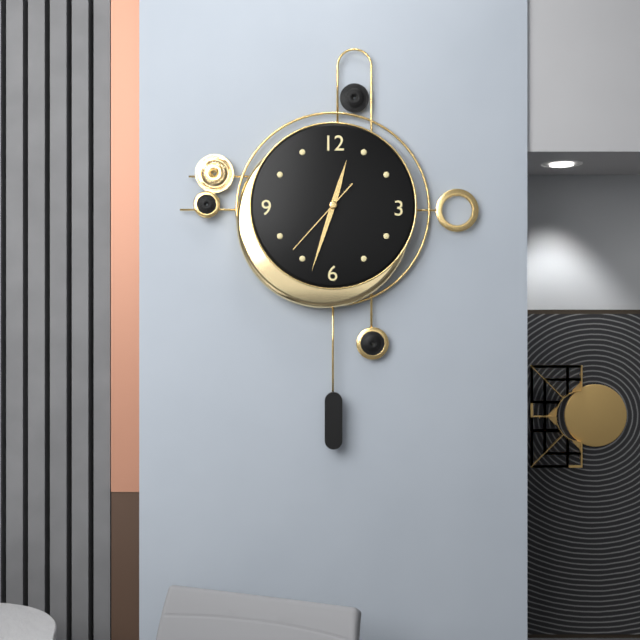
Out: **12:33:37**
